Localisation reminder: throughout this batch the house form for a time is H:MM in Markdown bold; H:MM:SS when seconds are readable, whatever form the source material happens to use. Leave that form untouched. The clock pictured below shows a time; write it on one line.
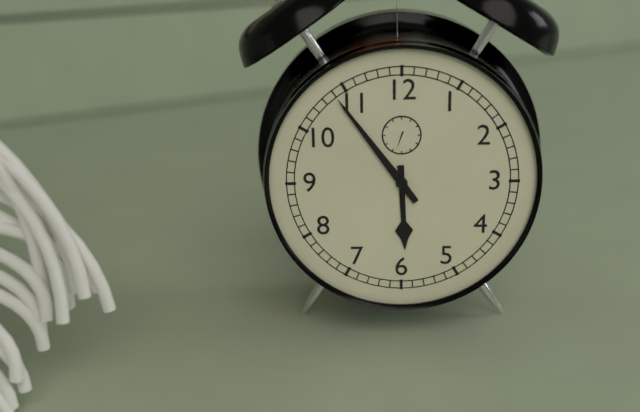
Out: **5:54**
